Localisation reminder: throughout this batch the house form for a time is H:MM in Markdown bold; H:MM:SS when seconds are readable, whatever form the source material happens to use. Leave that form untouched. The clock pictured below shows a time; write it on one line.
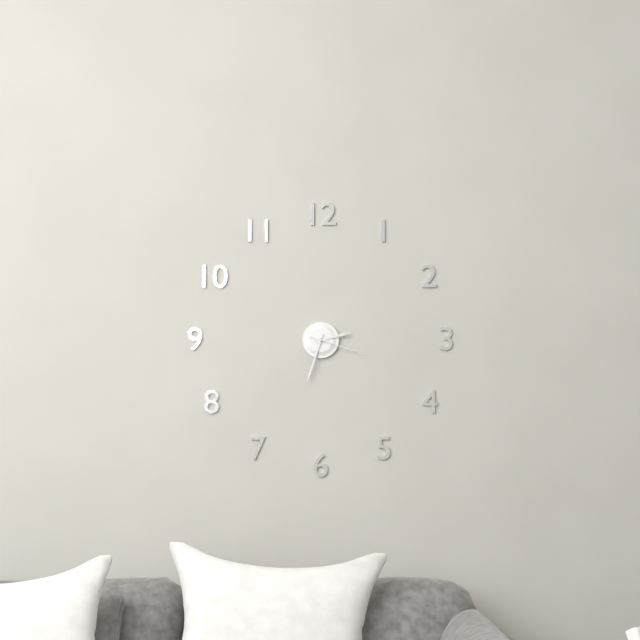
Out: **2:33:18**
